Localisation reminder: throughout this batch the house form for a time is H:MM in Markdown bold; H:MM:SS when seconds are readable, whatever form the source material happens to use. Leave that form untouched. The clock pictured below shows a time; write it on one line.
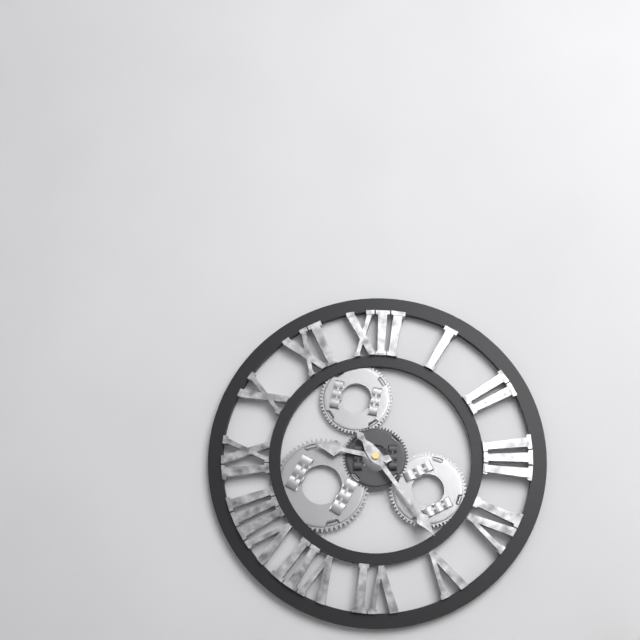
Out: **9:24**
